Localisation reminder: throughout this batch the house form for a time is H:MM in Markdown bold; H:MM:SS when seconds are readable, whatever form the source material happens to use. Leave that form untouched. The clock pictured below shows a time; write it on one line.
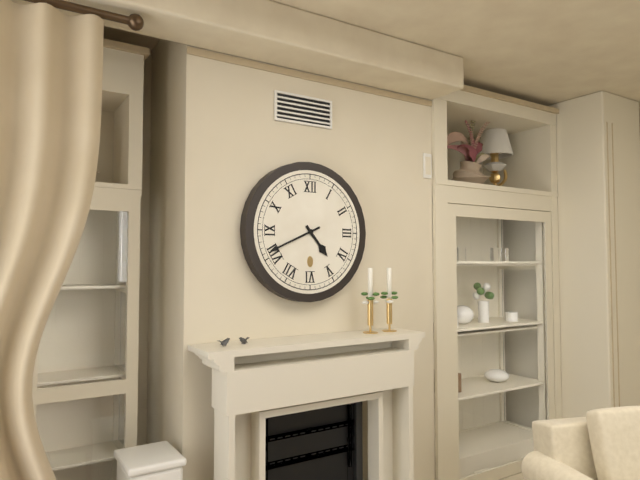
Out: **4:41**
